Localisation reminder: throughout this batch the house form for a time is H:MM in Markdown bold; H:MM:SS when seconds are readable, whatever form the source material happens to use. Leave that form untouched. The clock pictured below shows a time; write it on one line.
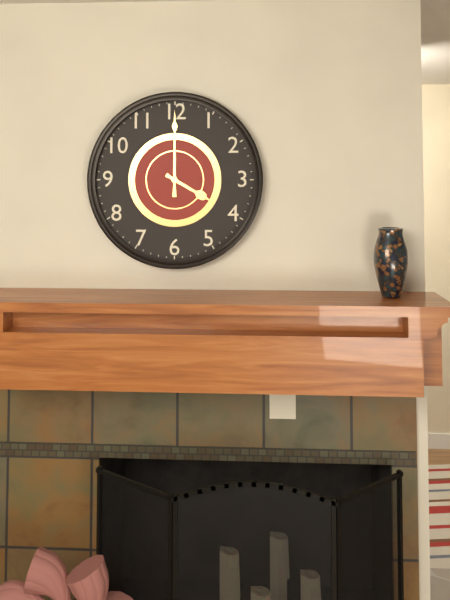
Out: **4:00**
